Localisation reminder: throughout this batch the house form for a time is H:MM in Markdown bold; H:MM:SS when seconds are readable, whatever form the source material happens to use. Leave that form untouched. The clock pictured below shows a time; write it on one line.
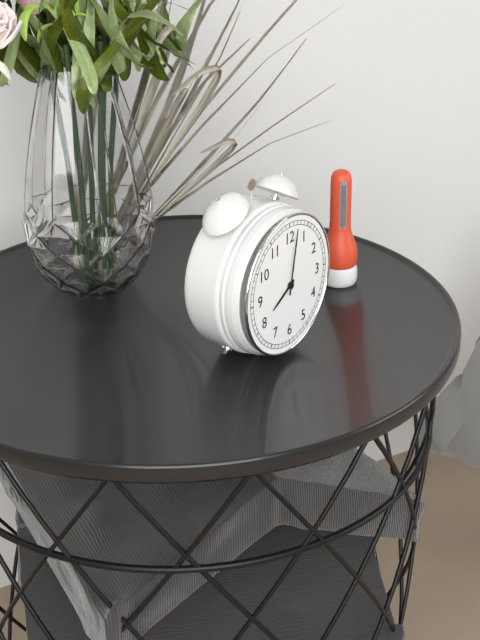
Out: **8:02**
